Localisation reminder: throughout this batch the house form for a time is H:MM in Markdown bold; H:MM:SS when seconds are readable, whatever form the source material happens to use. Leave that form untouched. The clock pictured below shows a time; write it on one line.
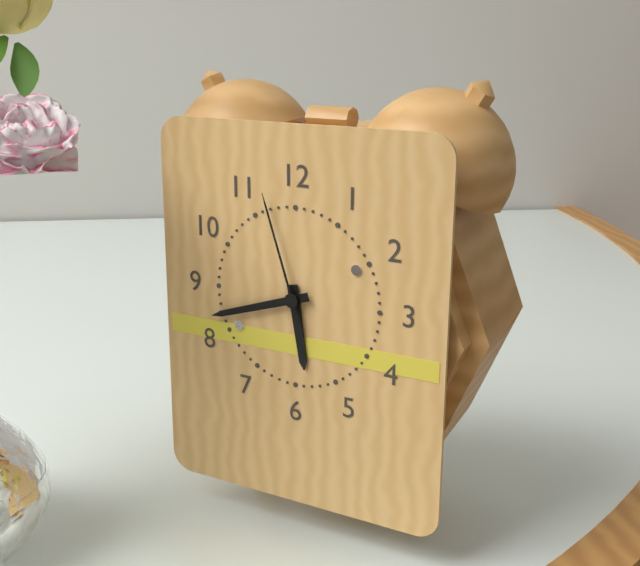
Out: **5:42:57**
